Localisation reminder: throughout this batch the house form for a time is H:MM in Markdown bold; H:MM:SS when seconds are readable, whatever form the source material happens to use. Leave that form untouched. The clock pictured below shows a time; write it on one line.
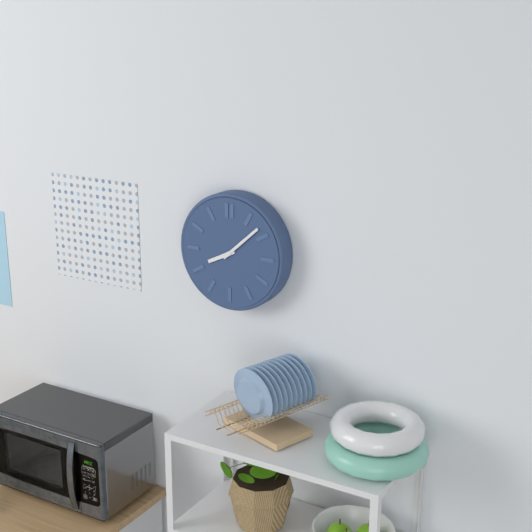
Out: **8:08**
